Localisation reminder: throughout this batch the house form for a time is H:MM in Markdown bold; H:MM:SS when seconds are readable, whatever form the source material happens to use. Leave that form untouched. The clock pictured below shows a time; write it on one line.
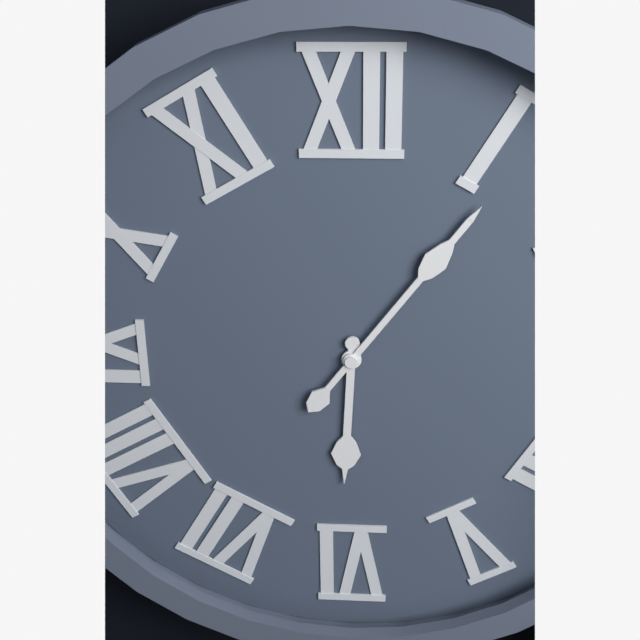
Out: **6:06**
